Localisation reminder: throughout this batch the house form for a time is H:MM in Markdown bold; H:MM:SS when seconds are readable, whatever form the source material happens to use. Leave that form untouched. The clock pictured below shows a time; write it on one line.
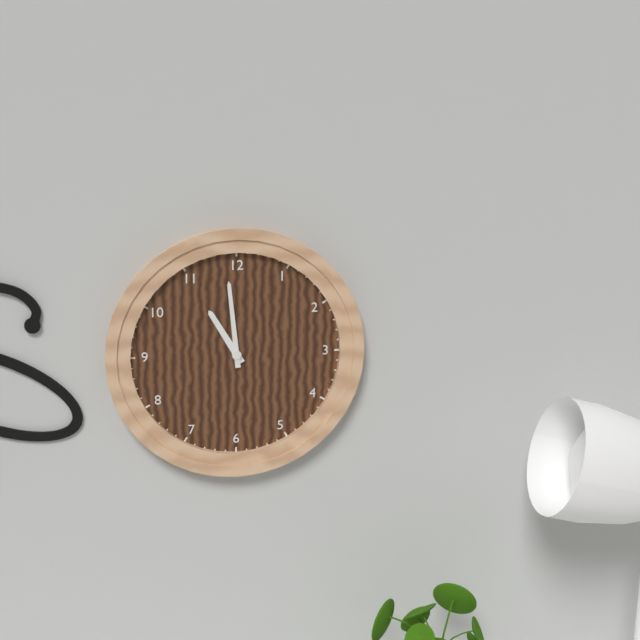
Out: **10:59**
